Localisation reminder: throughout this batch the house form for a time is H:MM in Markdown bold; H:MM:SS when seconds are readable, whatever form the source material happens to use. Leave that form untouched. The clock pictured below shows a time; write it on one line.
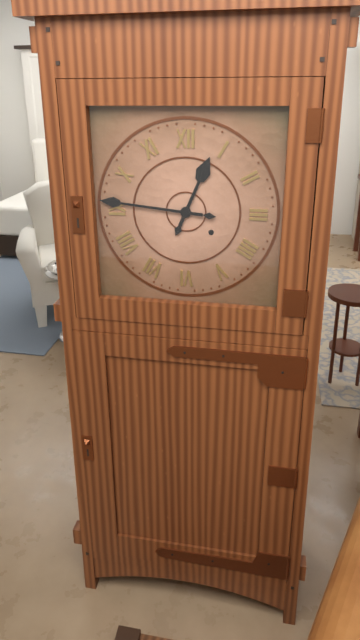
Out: **12:46**
